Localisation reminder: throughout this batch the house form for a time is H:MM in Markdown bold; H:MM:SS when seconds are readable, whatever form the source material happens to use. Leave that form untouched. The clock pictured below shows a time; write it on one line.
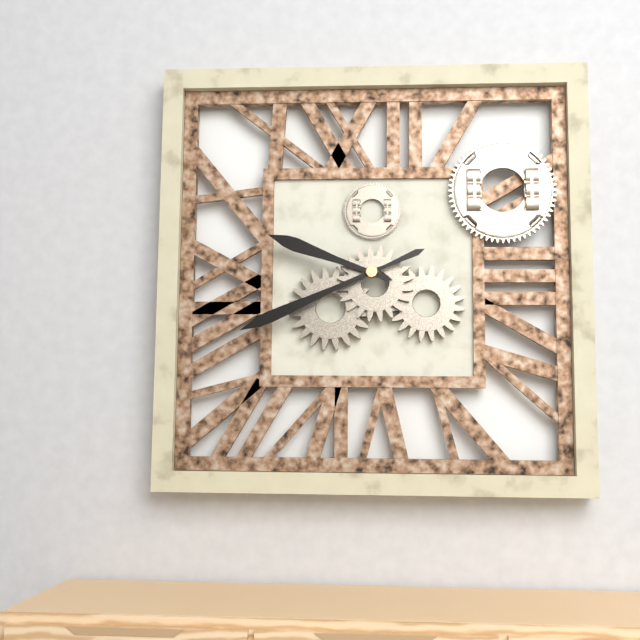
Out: **9:41**
